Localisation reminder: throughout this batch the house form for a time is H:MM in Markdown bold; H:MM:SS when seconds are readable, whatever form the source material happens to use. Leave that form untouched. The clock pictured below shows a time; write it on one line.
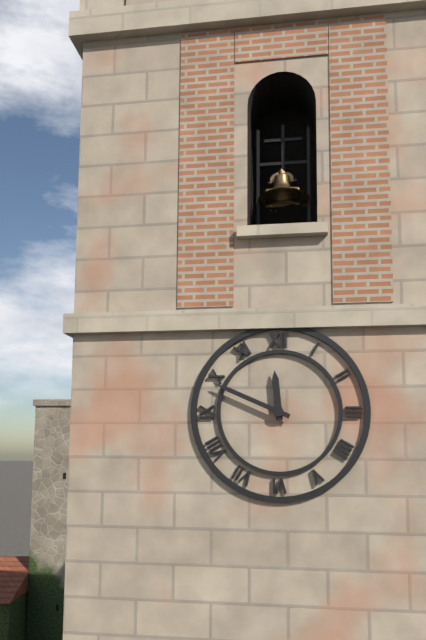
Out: **11:49**
